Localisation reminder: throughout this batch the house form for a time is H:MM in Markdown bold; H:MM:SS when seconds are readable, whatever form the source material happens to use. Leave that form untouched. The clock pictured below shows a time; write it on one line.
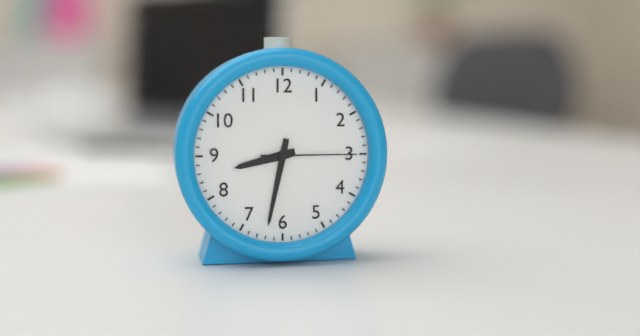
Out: **8:32:15**
